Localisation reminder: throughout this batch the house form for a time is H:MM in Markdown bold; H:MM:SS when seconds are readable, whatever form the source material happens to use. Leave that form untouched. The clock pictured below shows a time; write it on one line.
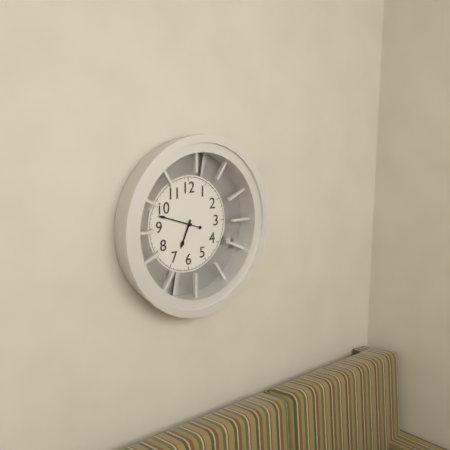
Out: **6:48**
